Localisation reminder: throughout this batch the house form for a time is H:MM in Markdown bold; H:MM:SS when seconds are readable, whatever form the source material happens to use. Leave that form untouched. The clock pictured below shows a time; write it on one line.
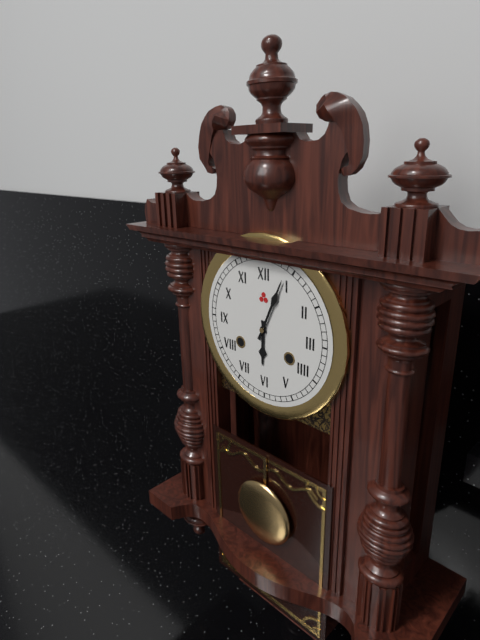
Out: **6:04**
